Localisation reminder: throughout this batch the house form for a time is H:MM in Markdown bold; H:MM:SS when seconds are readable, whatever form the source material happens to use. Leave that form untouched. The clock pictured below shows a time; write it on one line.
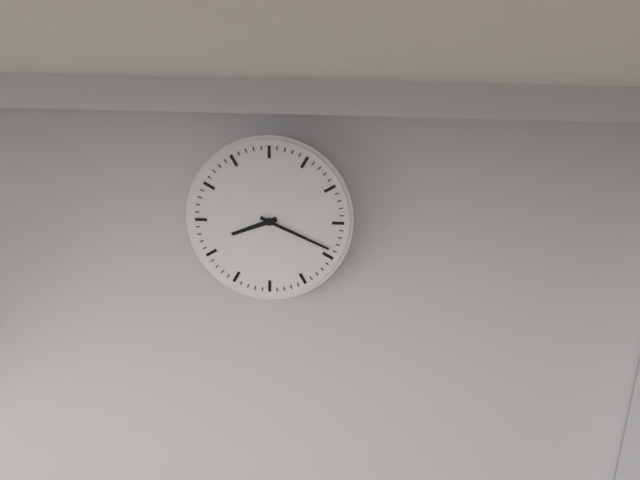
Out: **8:19**
